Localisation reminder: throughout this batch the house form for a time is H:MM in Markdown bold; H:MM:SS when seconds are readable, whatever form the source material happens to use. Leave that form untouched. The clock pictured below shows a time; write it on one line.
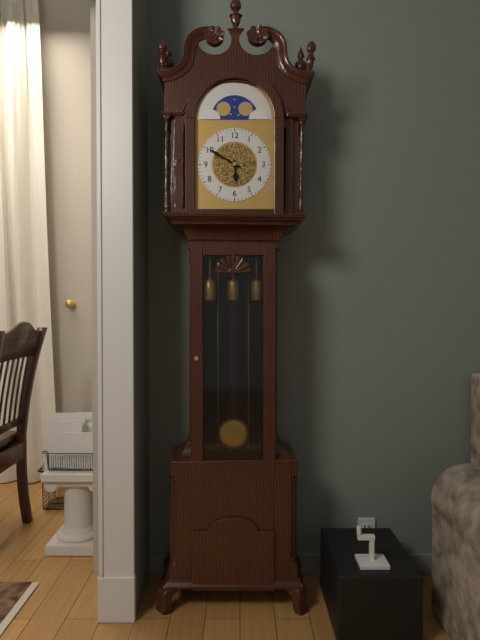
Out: **5:50**
